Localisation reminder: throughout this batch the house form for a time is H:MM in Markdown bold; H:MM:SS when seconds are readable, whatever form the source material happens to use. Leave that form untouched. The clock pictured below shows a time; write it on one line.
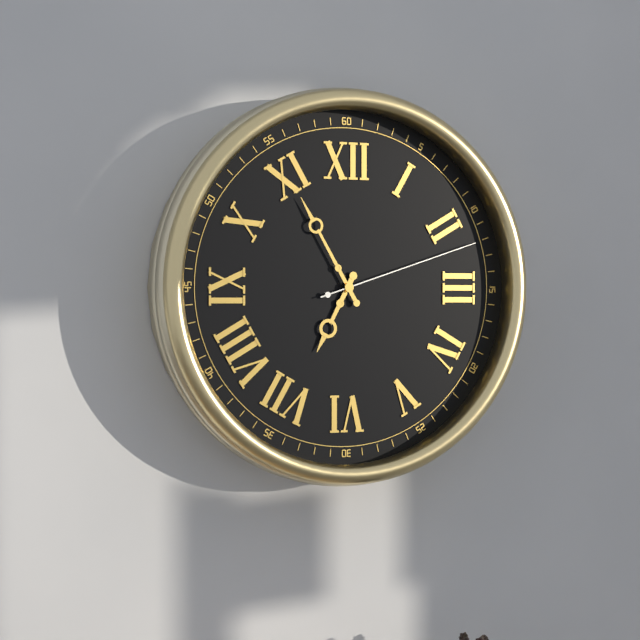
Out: **6:55:12**
